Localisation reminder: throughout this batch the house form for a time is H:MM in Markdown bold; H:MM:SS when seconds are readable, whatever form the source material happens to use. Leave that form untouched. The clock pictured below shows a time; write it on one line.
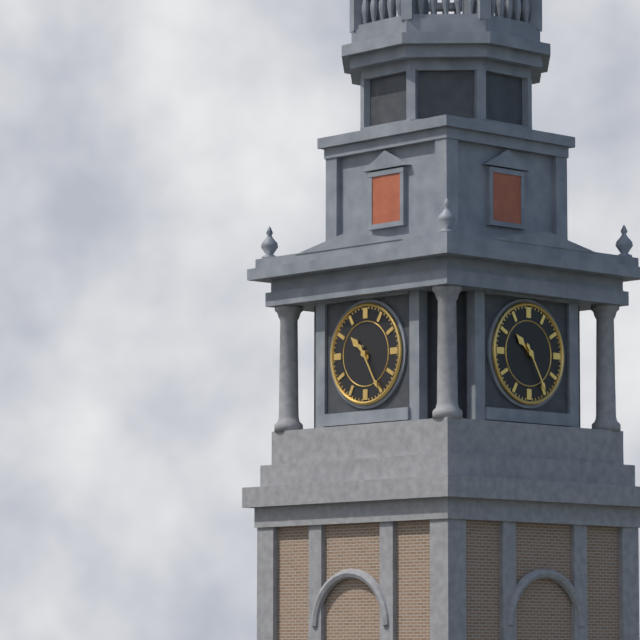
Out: **10:25**
